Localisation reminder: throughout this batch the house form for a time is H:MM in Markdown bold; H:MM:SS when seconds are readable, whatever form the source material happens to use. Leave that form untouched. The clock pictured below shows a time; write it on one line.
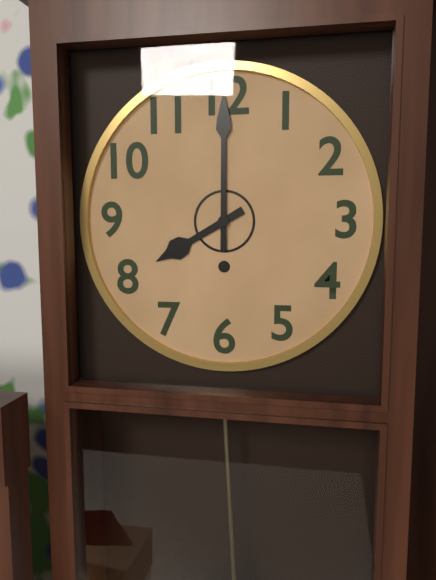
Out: **8:00**
